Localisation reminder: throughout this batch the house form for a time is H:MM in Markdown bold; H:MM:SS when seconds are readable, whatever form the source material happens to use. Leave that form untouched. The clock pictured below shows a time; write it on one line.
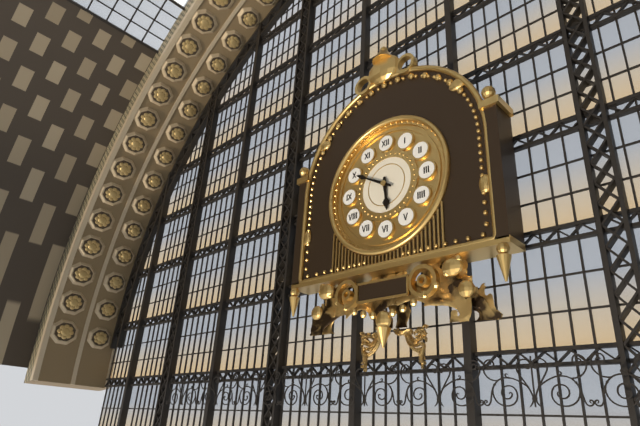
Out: **5:50**
